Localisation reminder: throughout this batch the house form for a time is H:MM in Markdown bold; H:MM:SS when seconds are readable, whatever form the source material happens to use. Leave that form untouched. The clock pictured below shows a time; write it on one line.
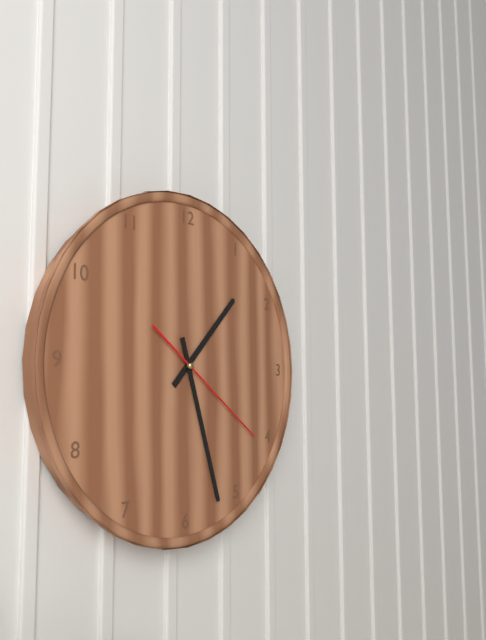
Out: **1:27:21**
